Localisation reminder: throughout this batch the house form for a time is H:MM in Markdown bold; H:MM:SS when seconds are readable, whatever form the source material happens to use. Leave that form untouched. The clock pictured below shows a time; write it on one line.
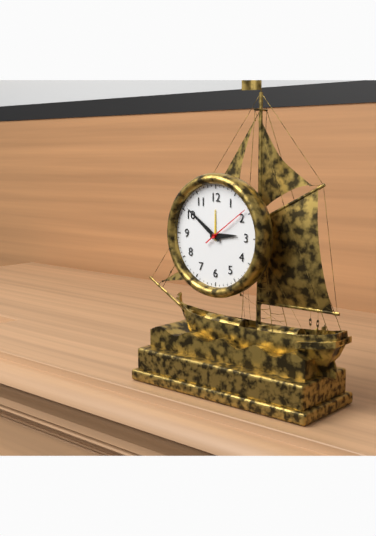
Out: **2:51:09**
